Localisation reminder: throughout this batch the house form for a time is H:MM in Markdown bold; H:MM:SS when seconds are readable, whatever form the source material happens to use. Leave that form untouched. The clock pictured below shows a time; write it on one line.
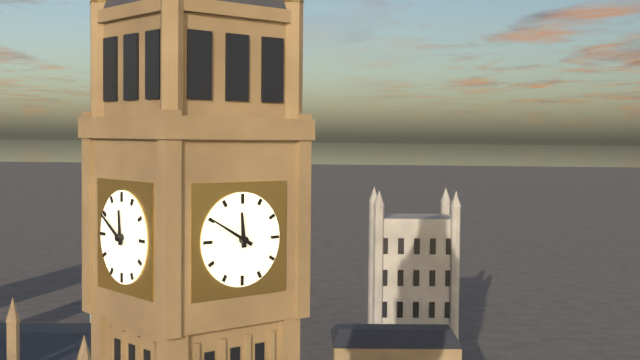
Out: **11:50**
